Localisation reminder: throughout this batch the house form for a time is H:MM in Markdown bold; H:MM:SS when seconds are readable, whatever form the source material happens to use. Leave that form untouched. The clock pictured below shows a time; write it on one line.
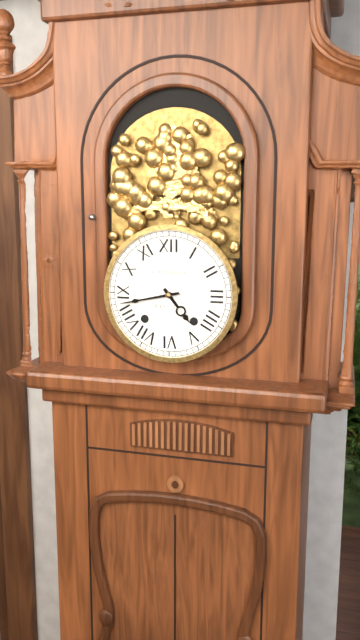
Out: **4:43**
